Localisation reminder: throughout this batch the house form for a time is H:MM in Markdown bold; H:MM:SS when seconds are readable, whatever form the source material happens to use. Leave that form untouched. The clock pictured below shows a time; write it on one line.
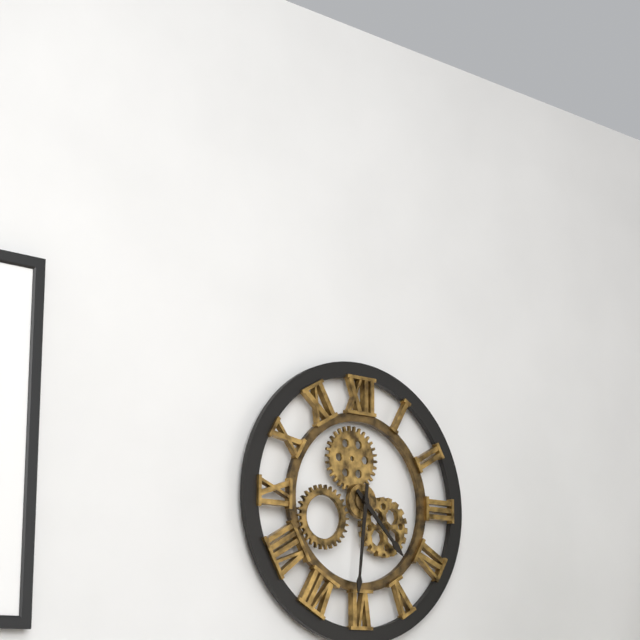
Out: **4:31**
